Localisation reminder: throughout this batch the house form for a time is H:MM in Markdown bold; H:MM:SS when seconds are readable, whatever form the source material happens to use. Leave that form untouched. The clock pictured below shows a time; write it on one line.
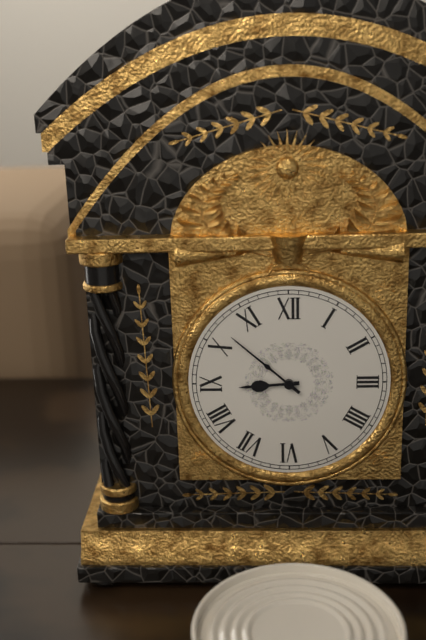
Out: **8:52**
